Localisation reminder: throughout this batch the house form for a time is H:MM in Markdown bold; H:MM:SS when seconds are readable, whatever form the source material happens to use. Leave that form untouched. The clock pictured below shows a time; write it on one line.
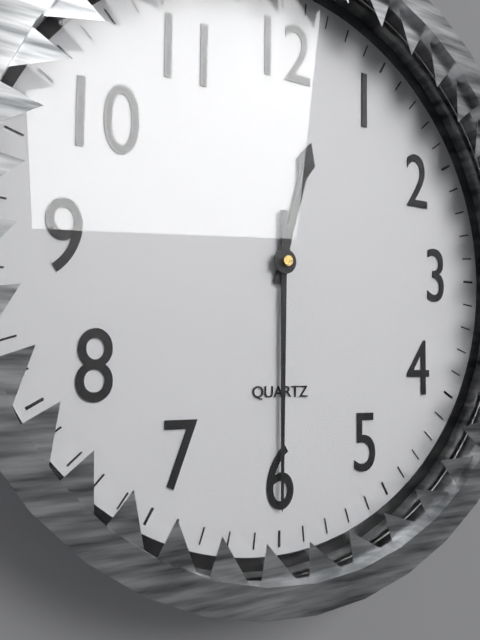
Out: **12:30**
